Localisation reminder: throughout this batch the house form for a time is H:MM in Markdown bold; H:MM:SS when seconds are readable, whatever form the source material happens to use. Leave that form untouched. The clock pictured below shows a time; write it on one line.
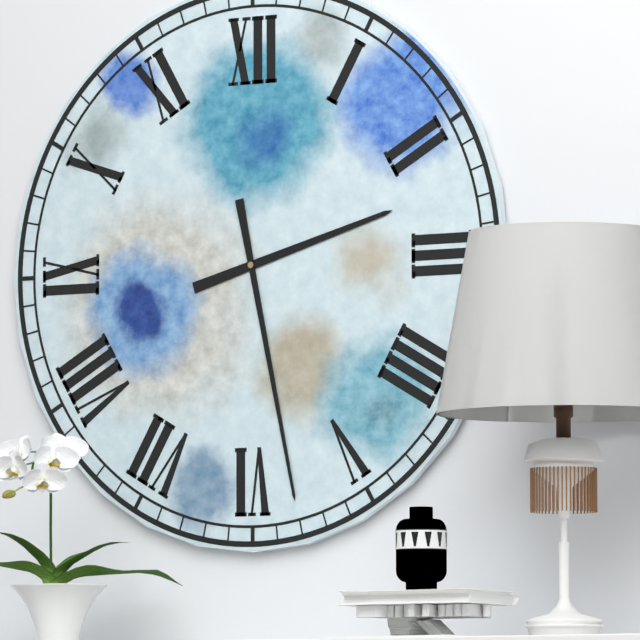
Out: **2:28**
